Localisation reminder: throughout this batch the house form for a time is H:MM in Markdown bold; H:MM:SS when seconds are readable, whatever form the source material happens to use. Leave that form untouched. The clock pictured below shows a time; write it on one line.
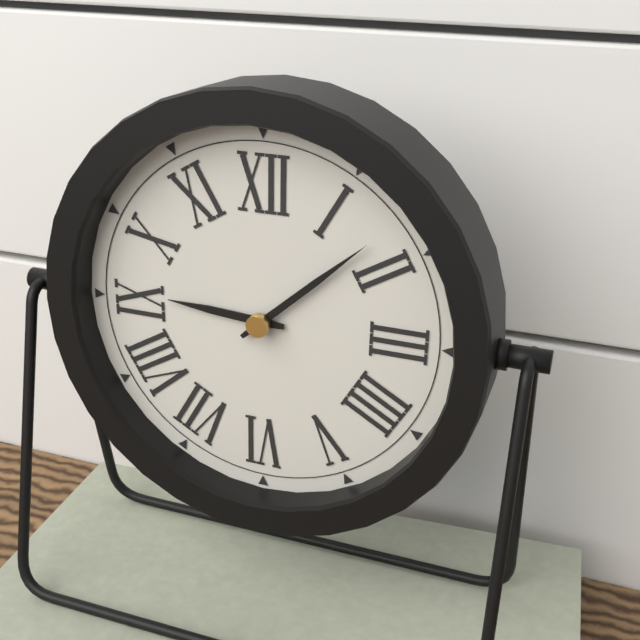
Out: **9:08**
